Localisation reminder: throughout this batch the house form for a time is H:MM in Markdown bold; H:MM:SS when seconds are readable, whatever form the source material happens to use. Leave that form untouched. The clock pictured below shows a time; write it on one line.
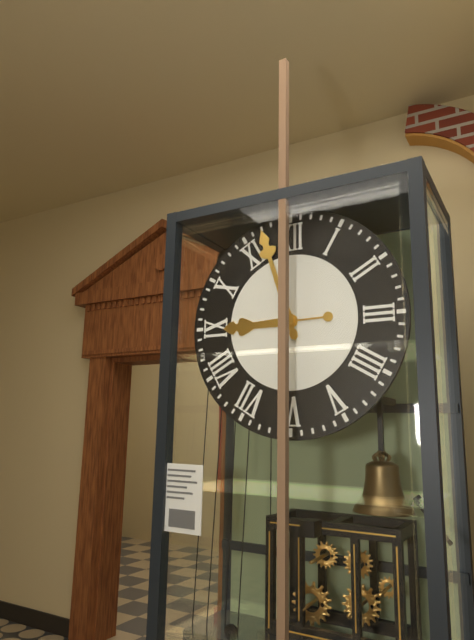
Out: **8:57**
